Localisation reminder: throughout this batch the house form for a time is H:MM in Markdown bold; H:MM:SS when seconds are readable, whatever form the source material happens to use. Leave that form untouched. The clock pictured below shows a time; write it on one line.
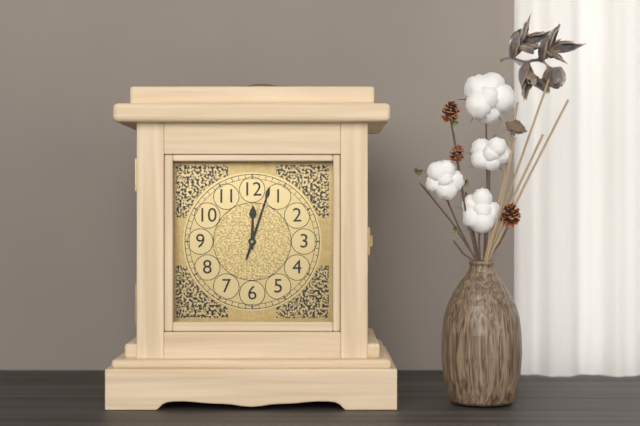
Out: **12:03**
